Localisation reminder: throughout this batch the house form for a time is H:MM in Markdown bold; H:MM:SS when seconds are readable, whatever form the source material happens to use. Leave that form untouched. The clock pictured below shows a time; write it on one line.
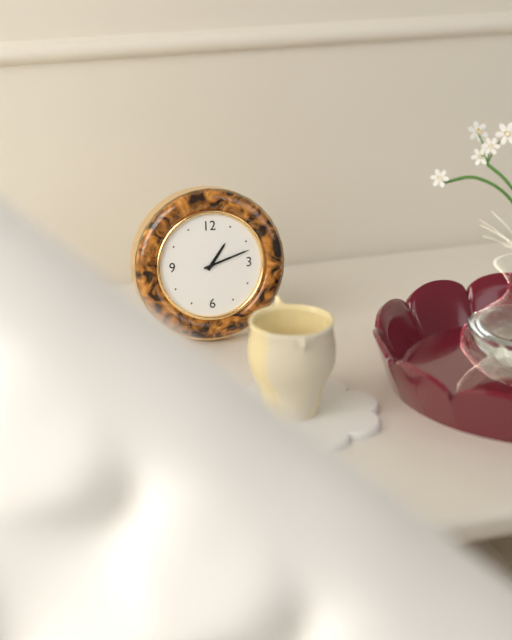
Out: **1:12**
